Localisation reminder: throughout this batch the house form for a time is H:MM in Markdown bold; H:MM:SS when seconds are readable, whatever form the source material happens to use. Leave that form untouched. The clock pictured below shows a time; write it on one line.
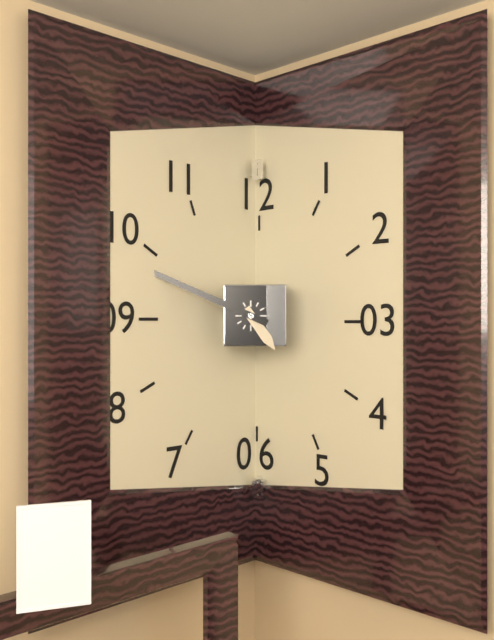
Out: **4:49**
